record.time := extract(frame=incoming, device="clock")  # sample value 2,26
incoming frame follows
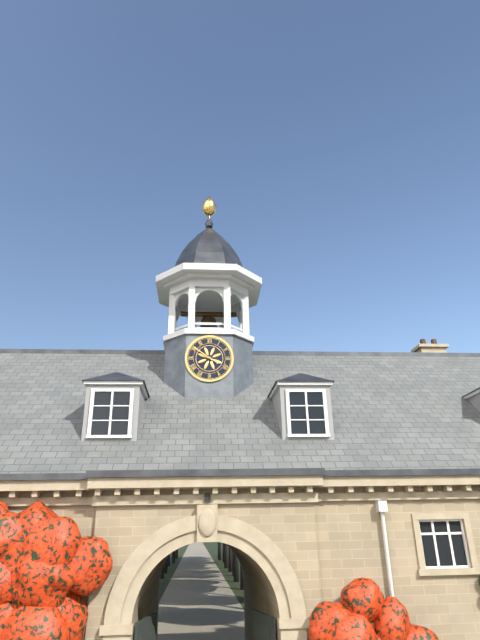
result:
3,51
